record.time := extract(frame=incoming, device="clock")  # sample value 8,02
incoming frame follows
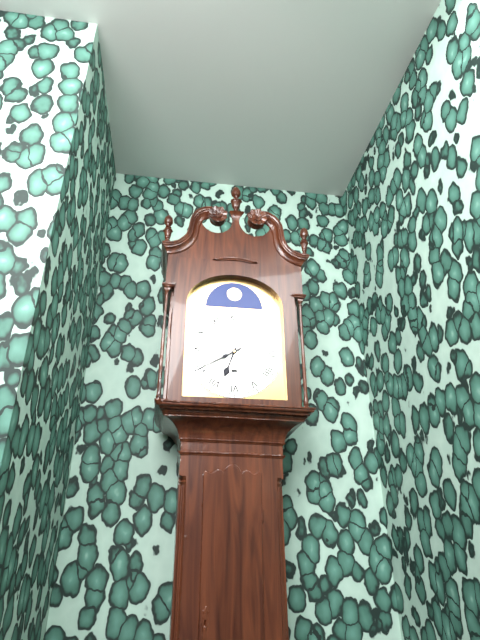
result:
6,40
